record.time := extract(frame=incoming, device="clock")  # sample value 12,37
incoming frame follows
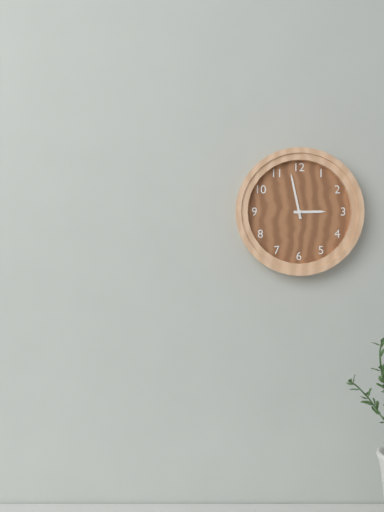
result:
2,58
